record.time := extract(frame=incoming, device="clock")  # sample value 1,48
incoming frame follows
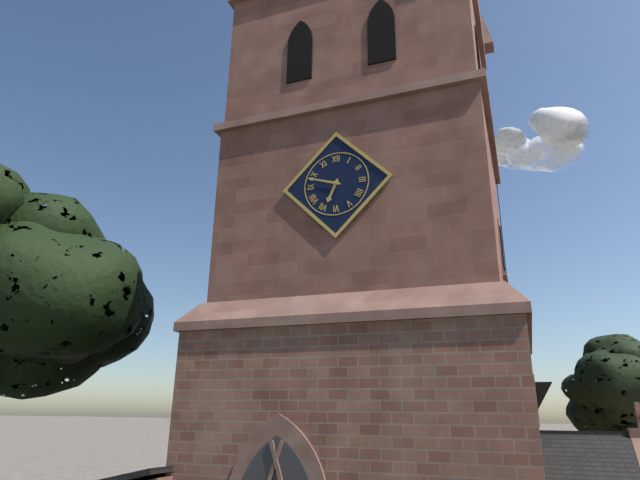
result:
6,48
